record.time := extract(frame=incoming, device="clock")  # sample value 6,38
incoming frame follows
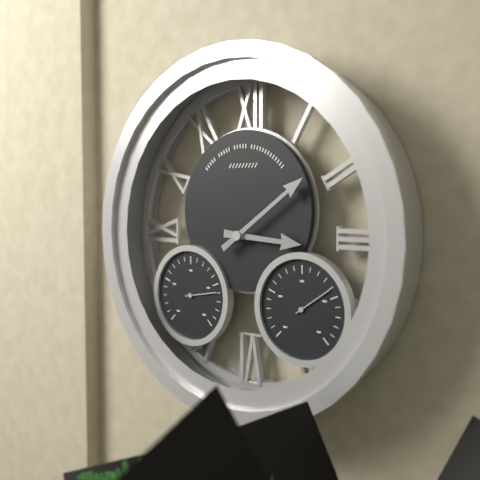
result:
3,09
